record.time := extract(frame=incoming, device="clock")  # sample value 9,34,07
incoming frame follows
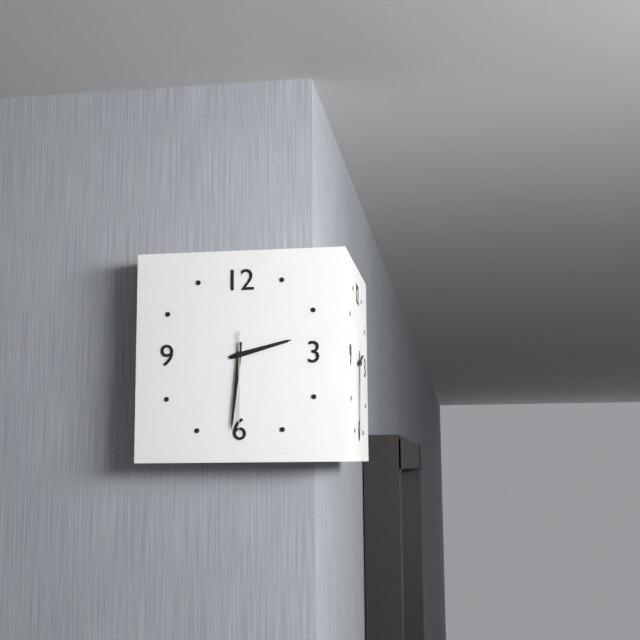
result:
2,31,30
